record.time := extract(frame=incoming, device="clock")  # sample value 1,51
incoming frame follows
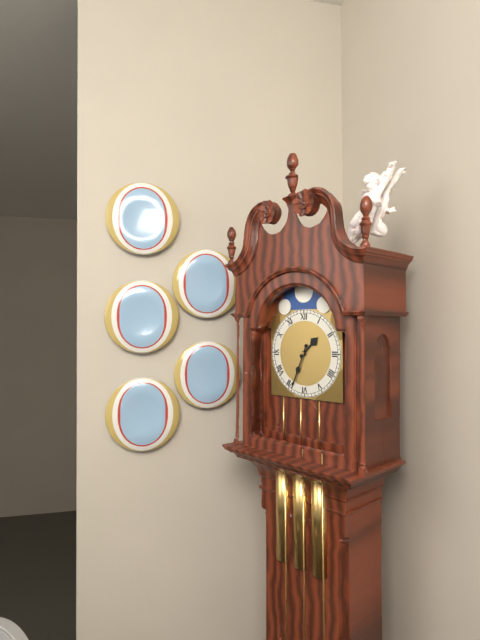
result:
1,34
